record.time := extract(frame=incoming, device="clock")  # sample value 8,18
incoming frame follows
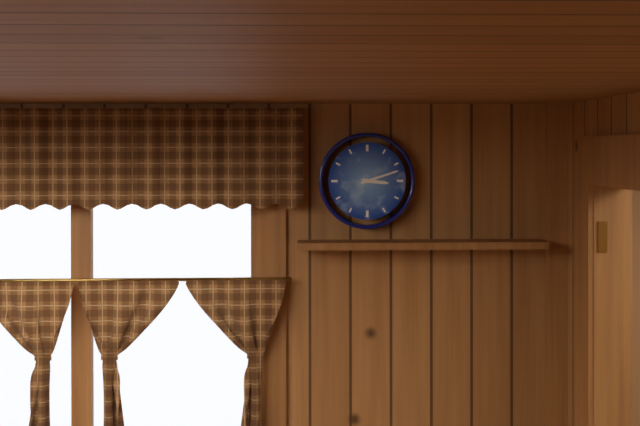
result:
3,12
